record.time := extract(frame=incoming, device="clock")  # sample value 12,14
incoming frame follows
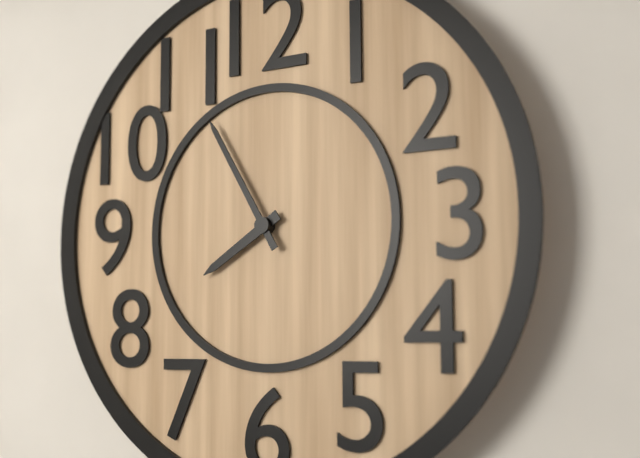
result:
7,55
